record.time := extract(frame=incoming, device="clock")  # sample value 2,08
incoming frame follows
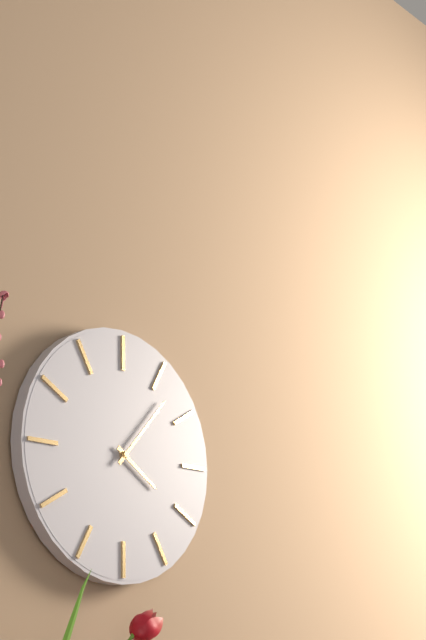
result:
4,07
